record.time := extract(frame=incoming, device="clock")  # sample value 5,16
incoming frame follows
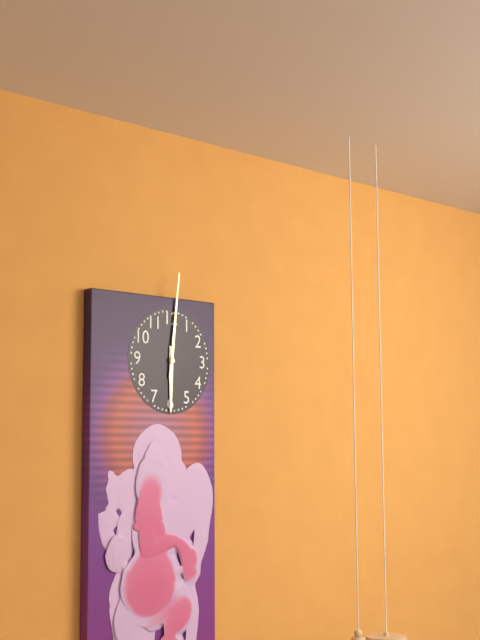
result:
6,01
